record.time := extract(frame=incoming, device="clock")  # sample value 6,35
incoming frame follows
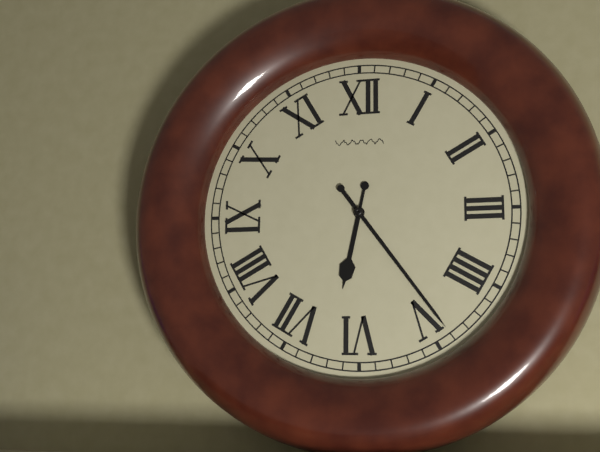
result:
6,24
